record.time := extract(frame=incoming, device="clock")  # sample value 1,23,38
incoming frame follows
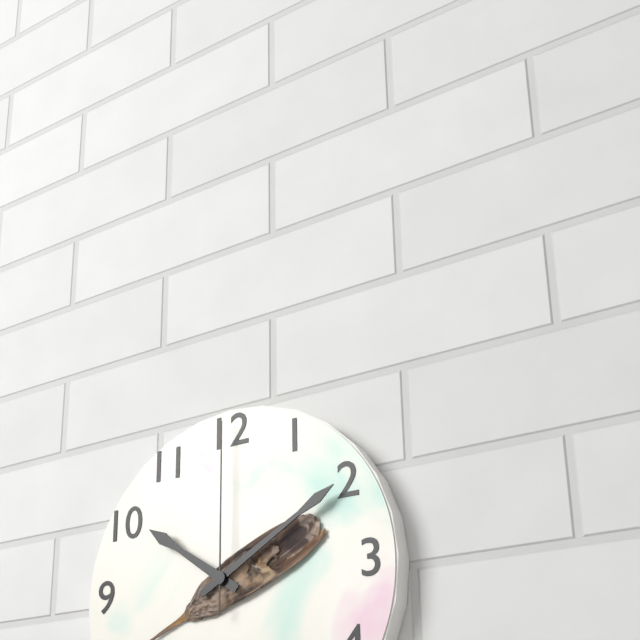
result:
10,10,00
